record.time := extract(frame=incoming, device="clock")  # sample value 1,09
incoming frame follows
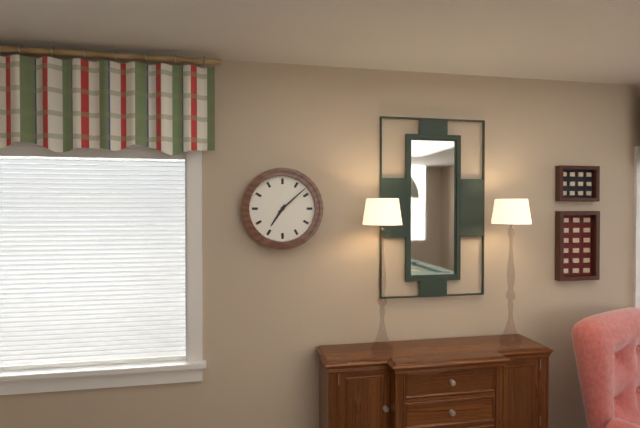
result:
7,08
